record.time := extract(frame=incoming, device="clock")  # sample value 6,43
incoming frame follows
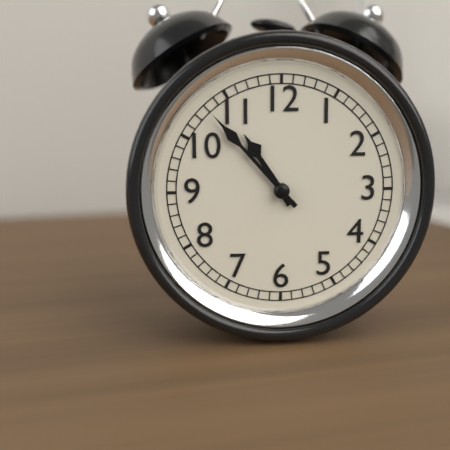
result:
10,53
